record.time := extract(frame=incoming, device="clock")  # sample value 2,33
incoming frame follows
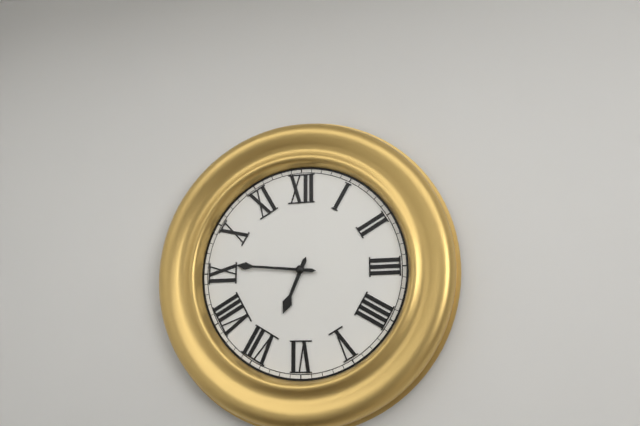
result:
6,46
